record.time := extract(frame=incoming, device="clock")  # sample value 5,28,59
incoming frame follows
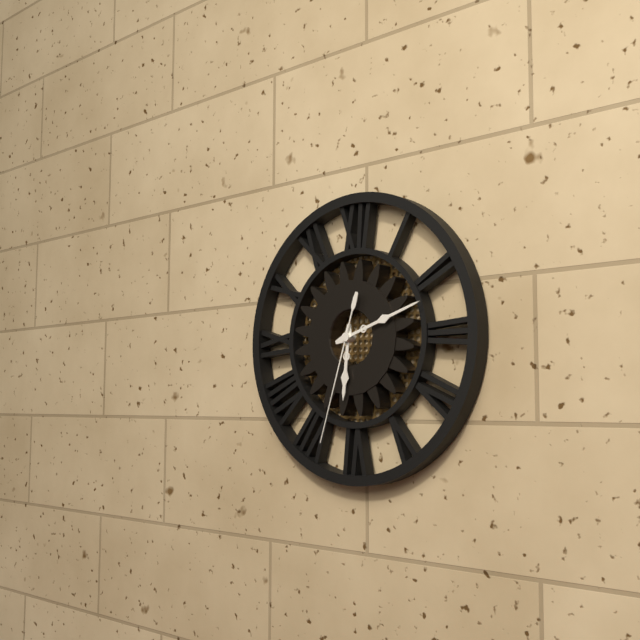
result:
6,12,33
